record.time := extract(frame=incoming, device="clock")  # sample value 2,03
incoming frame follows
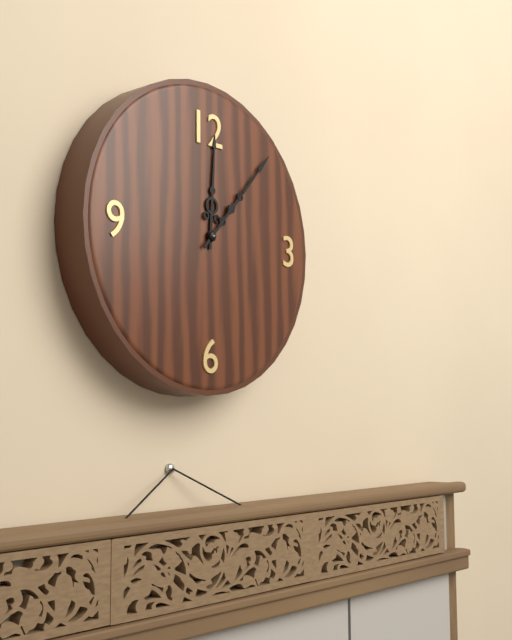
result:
12,07
